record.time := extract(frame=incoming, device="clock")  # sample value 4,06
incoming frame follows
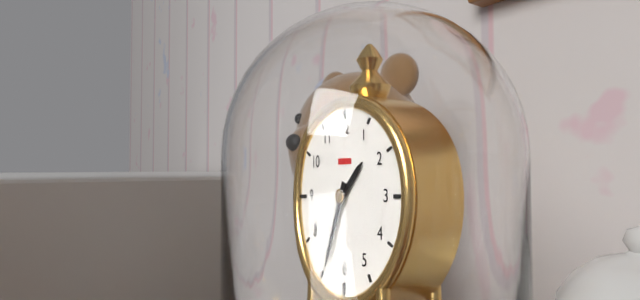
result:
1,34
